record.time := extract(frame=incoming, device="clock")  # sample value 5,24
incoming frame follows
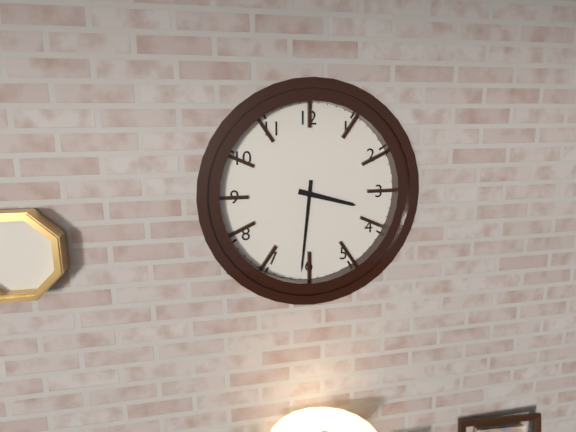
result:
3,31
